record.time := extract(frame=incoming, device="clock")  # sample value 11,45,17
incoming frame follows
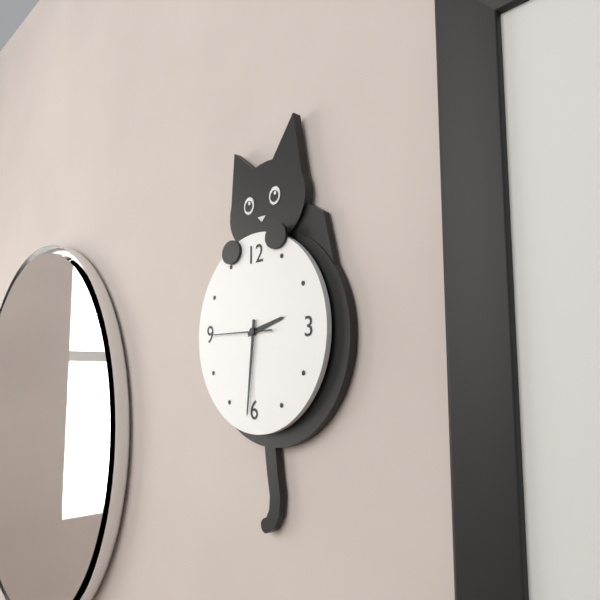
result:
2,31,45
